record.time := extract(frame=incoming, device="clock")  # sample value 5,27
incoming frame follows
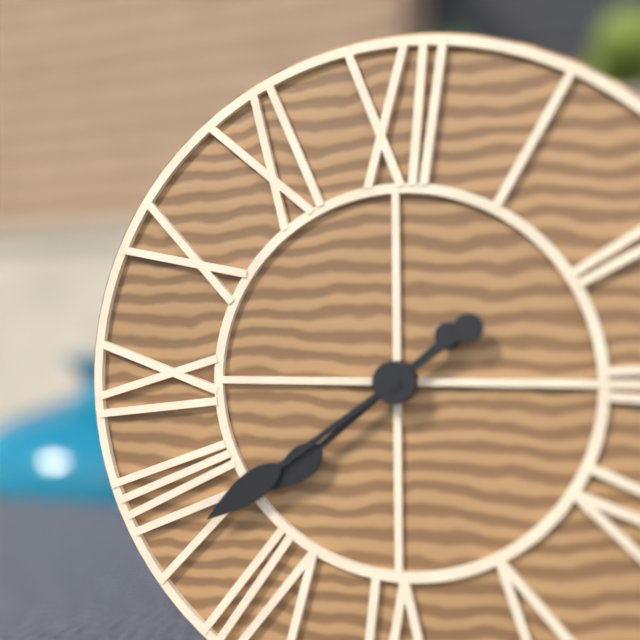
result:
7,39
